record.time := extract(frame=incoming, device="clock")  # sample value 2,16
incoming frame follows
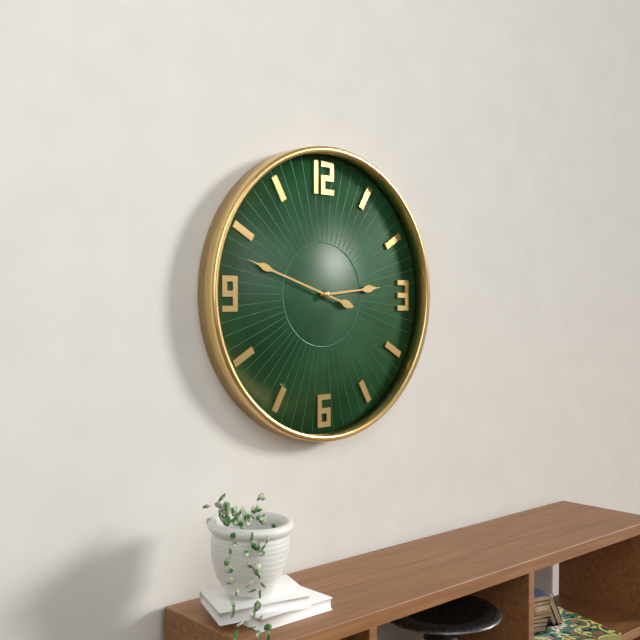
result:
2,48
